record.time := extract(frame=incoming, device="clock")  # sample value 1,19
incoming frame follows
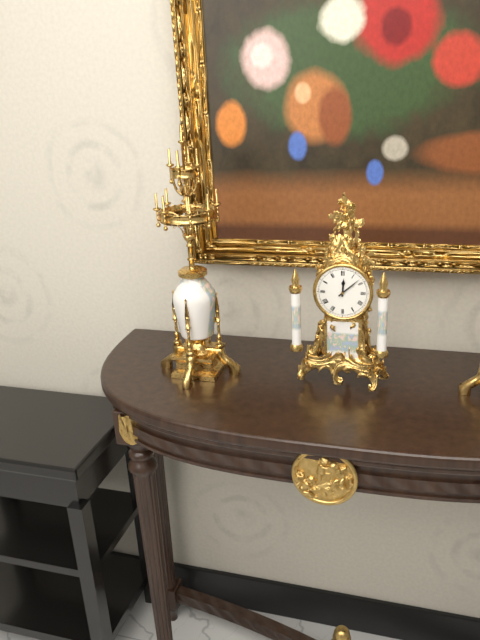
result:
12,08
